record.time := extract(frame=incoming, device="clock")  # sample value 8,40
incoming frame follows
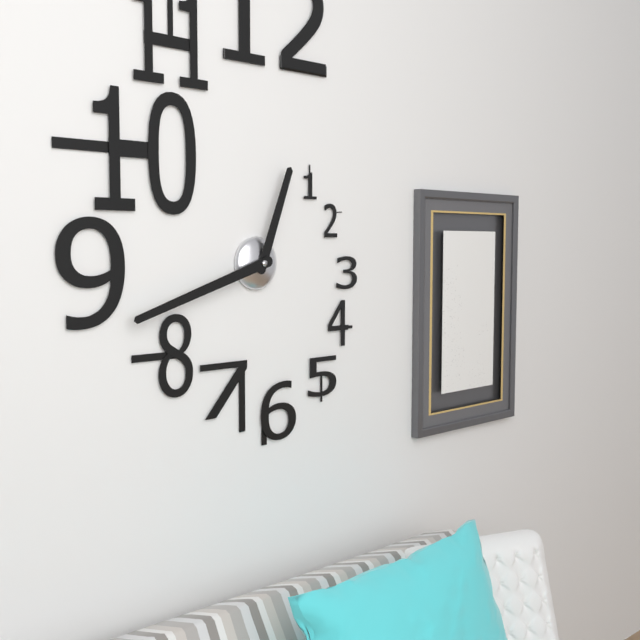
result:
12,42
